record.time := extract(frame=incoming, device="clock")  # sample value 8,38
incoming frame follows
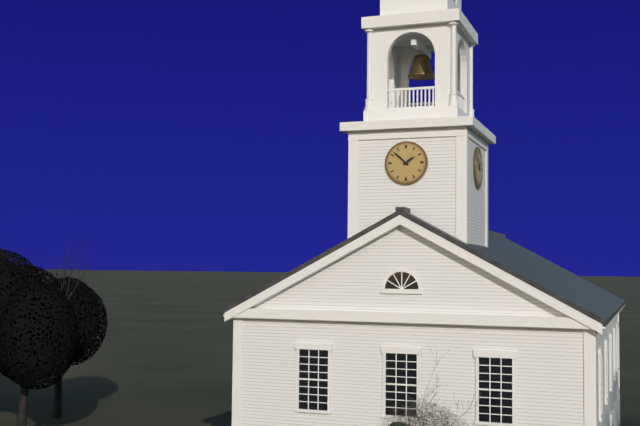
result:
1,52
